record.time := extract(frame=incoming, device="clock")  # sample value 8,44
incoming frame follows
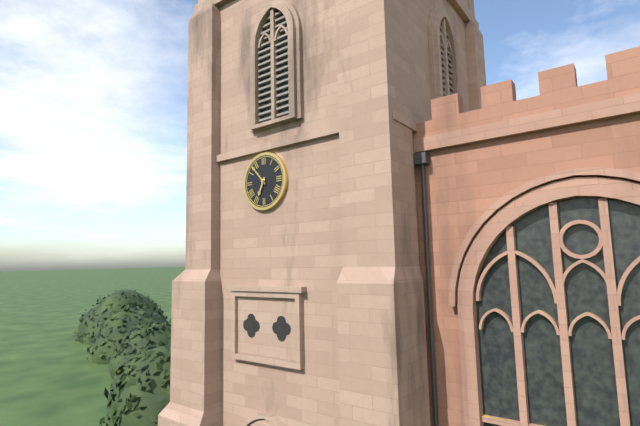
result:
6,53
